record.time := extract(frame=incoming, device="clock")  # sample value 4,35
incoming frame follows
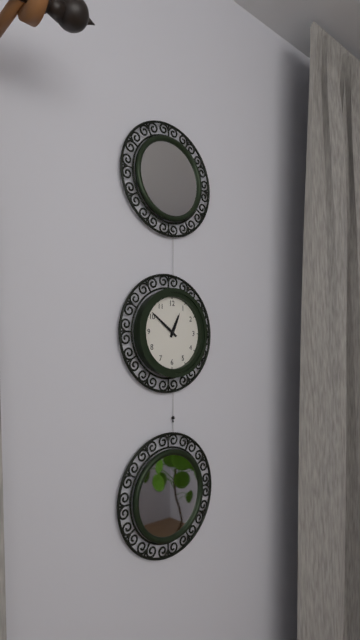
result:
12,51
